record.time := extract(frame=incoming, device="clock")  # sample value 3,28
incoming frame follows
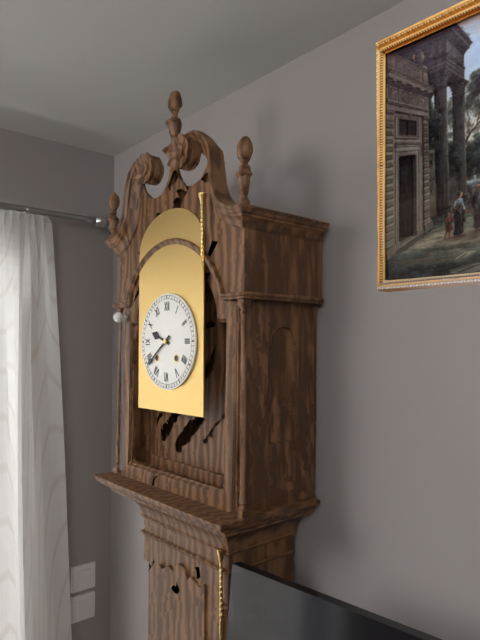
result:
9,39
